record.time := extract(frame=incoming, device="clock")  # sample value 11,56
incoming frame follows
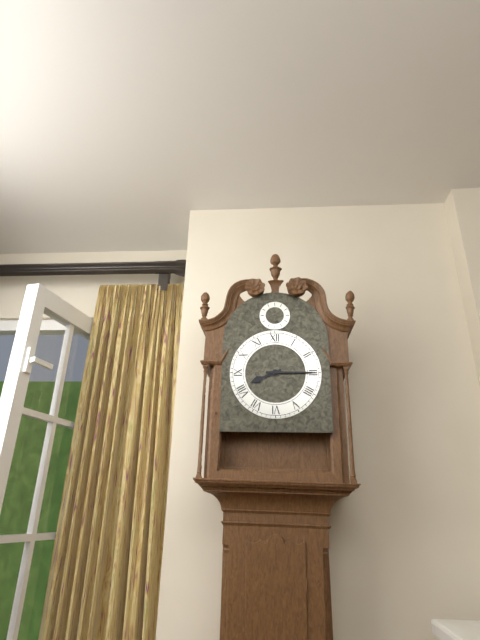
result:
8,15
